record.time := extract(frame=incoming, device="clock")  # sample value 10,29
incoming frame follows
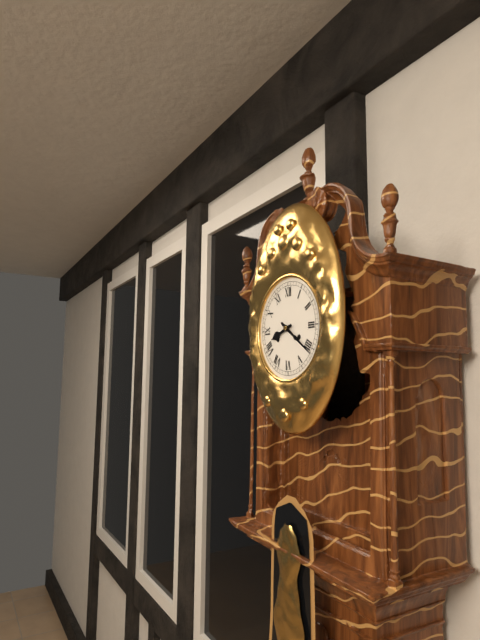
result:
8,21
